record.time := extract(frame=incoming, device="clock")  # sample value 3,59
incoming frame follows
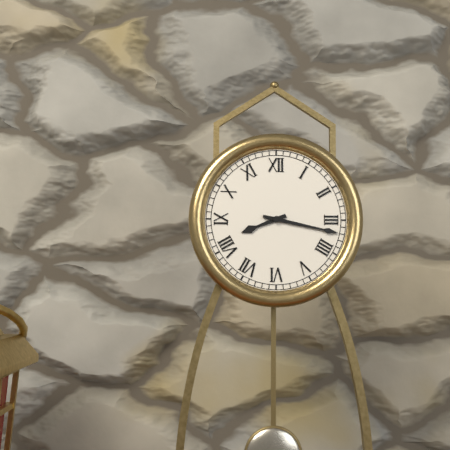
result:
8,17
